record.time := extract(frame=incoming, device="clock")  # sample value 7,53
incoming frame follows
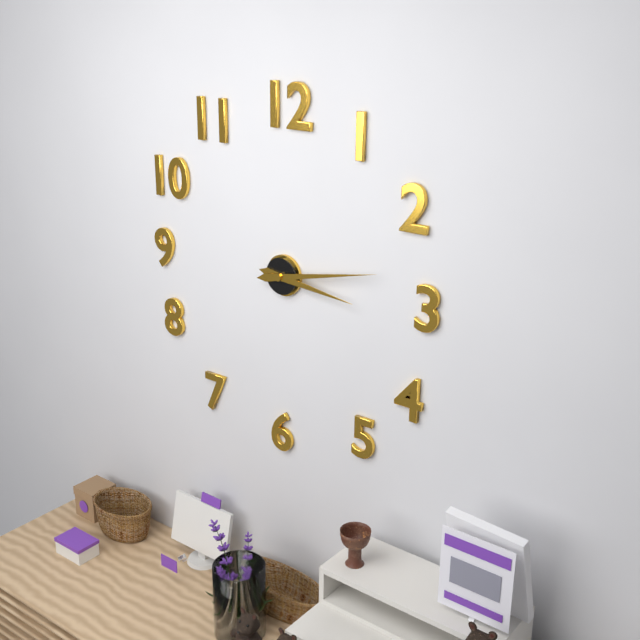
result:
3,13
